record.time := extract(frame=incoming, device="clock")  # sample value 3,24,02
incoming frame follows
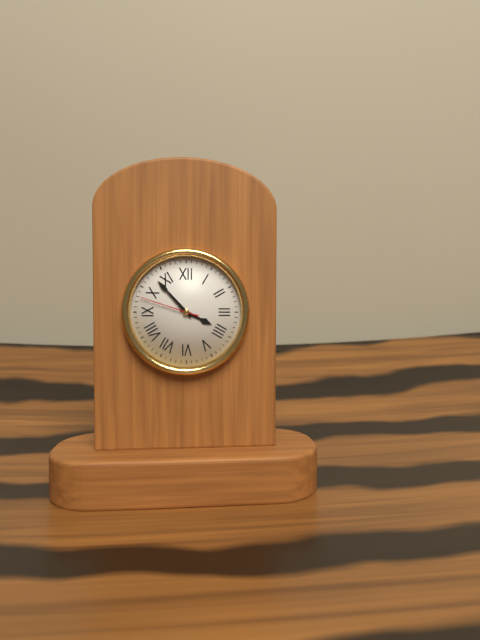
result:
3,53,48
